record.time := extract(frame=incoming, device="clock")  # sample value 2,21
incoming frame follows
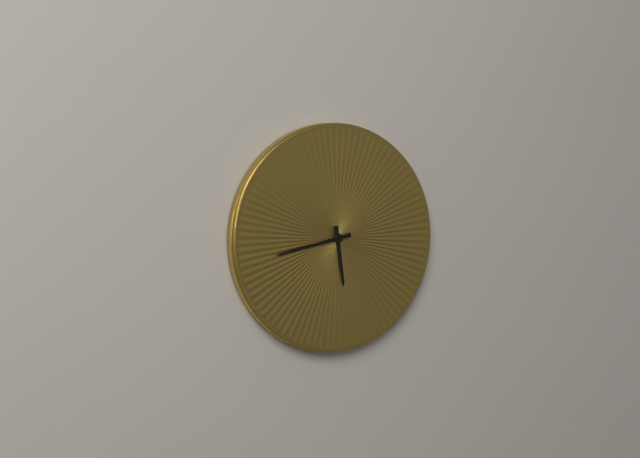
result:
5,43
